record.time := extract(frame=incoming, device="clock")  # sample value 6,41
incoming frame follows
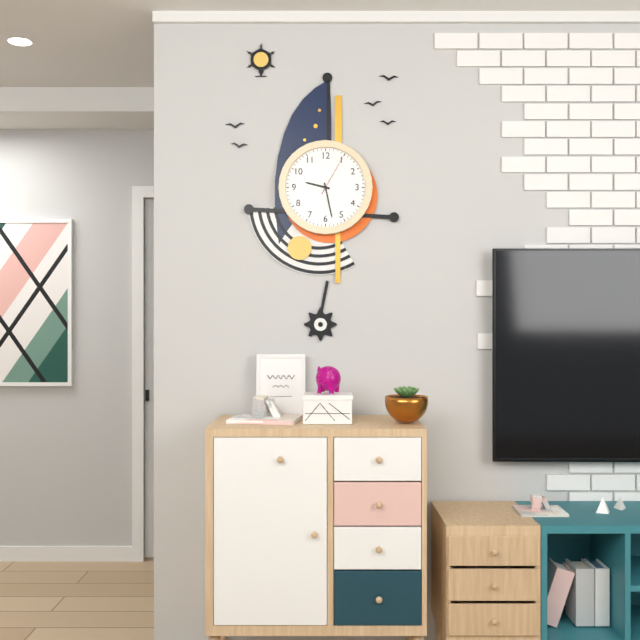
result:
9,28
